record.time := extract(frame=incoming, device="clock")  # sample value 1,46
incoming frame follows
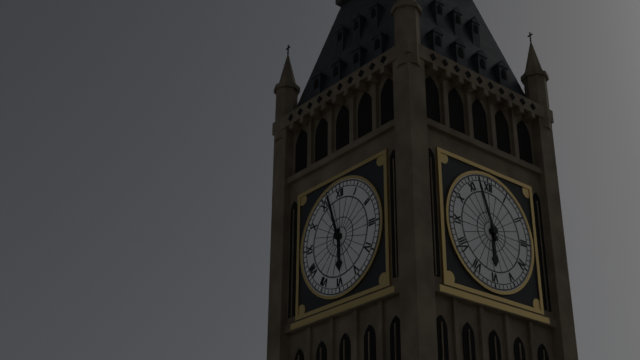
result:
5,57
